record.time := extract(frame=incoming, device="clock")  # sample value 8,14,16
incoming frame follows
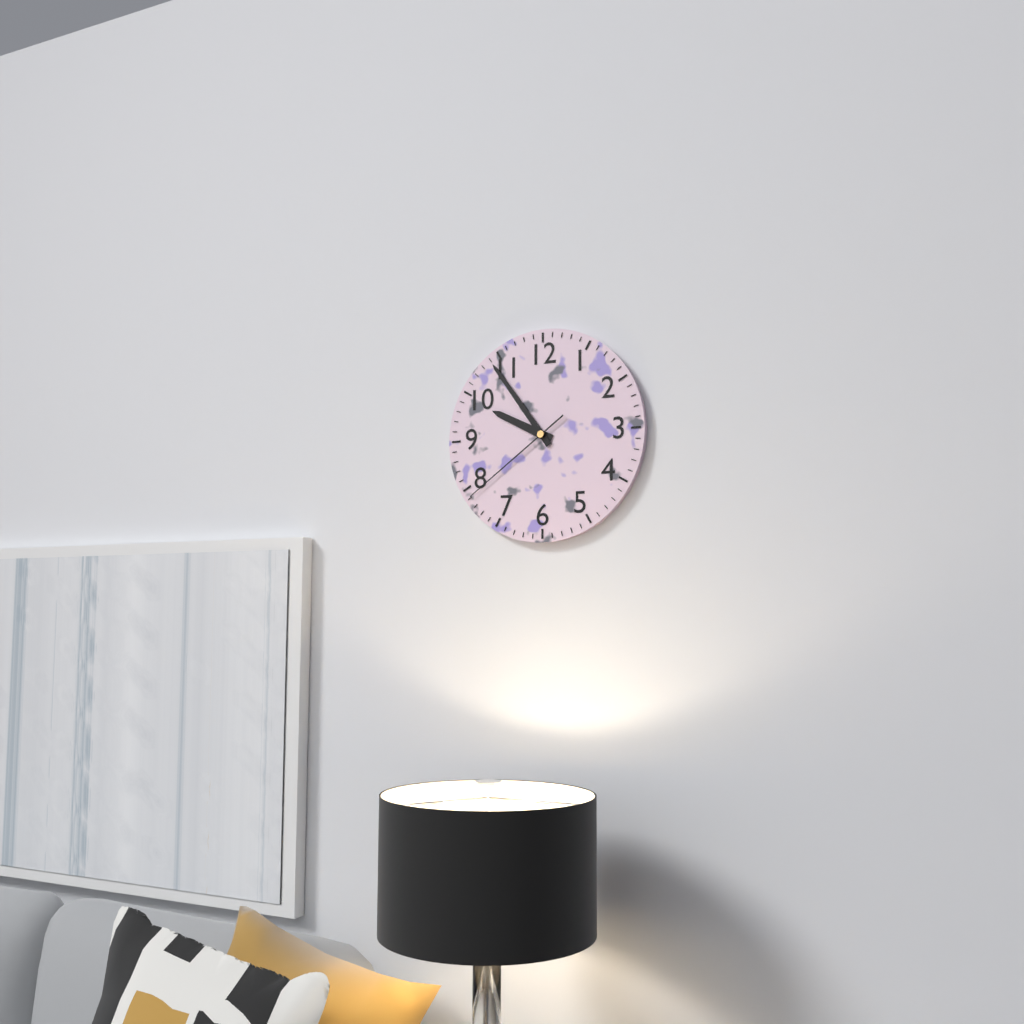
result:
9,54,39
